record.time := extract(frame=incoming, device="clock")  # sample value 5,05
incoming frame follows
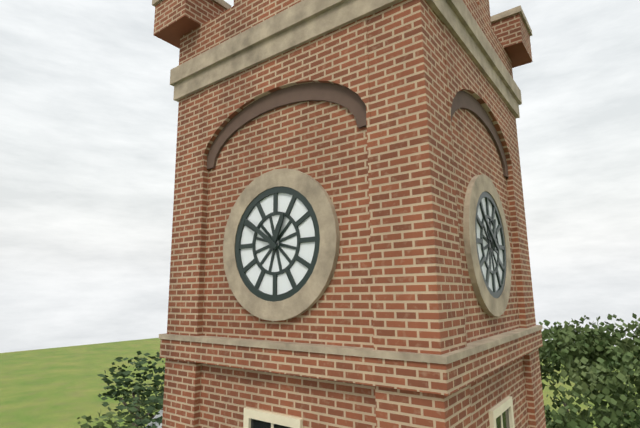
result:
12,51
